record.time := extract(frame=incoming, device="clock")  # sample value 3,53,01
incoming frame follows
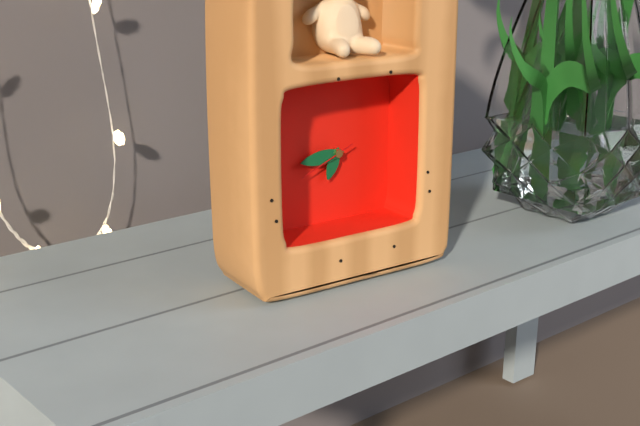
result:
6,44,41
